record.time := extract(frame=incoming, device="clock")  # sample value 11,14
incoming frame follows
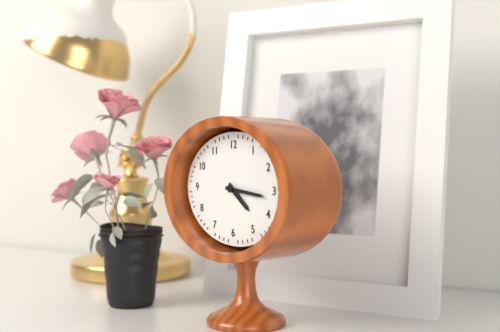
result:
4,16
